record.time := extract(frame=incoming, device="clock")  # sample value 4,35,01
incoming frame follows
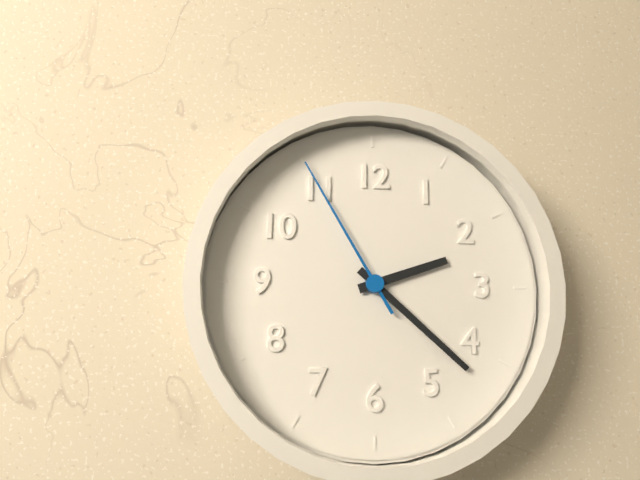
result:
2,22,55
